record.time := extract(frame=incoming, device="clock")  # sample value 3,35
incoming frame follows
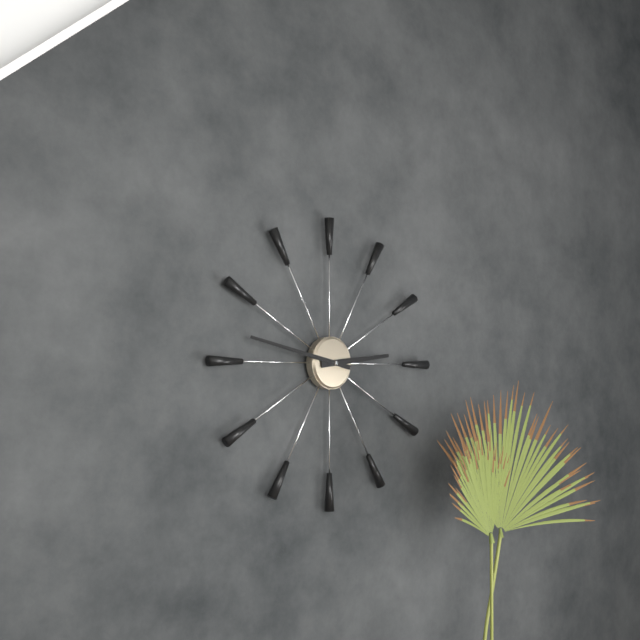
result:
2,47
